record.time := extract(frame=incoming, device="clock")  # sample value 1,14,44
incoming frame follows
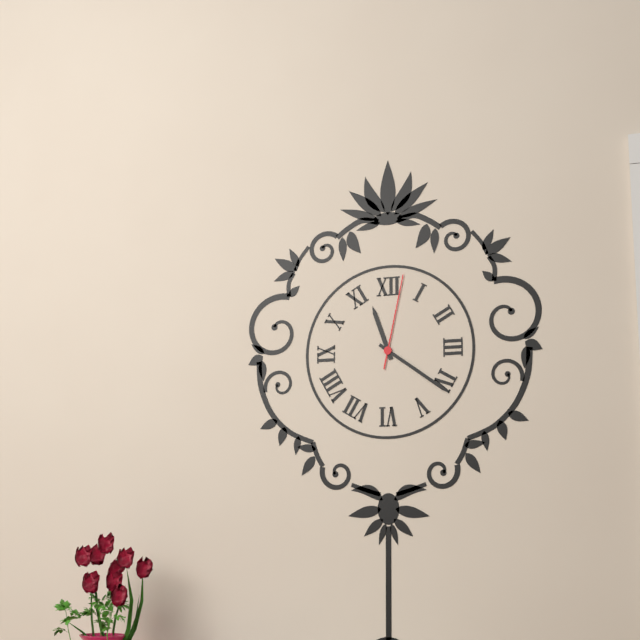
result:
11,21,02
